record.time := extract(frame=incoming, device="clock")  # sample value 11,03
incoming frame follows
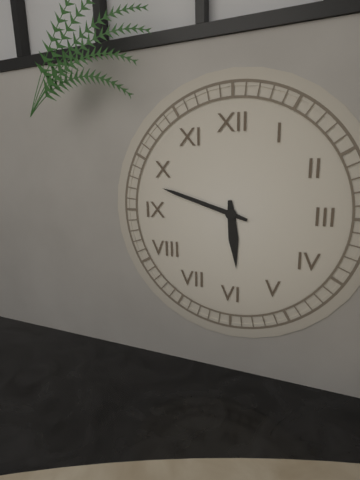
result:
5,48
